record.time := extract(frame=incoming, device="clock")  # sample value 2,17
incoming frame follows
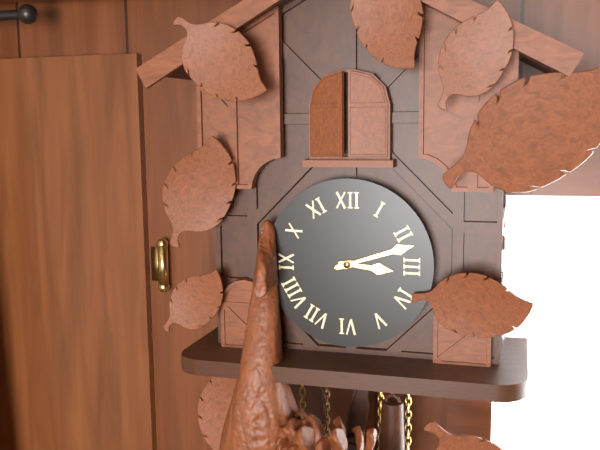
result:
3,12
